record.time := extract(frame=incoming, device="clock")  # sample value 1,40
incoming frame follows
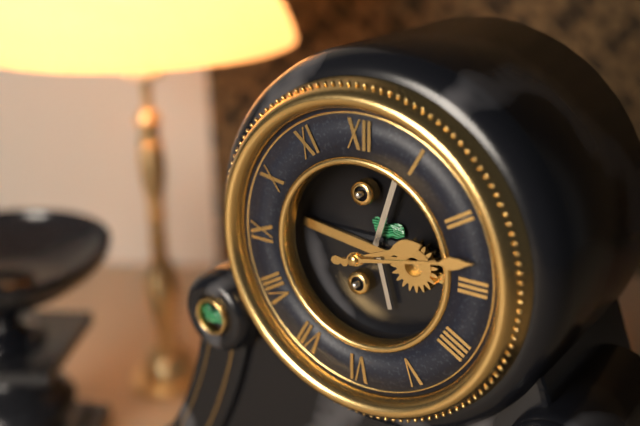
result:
2,13
